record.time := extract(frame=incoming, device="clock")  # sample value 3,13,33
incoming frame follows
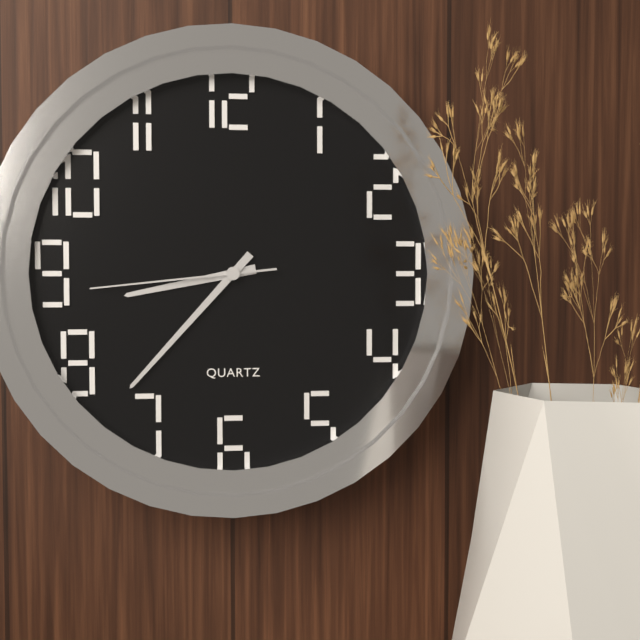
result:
8,37,44
